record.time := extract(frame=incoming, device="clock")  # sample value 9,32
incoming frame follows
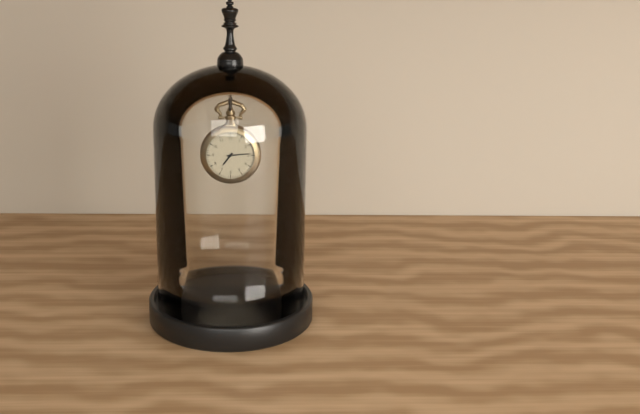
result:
7,14
